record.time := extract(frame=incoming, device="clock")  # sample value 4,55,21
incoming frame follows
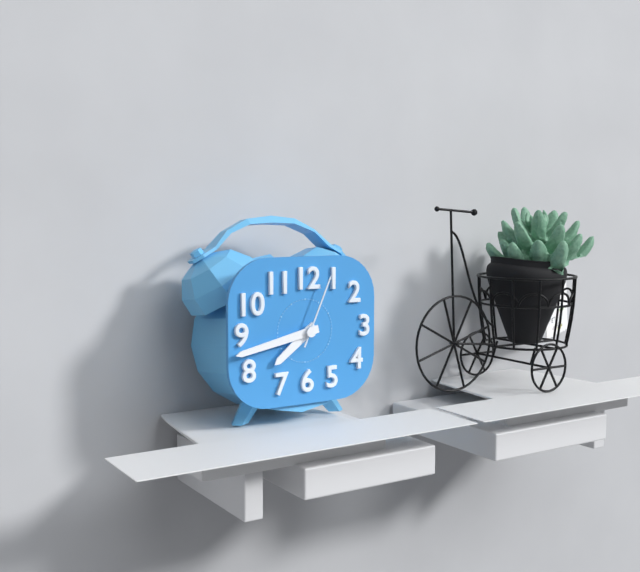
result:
7,43,04
